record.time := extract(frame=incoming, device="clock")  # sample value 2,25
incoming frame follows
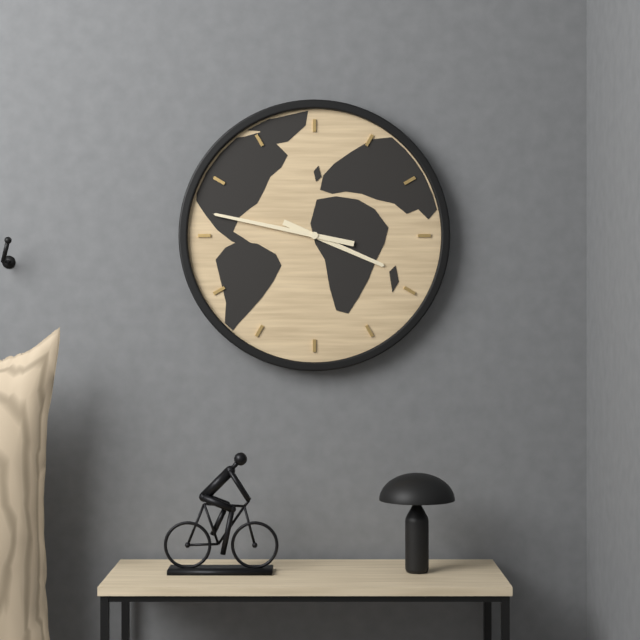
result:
3,47
